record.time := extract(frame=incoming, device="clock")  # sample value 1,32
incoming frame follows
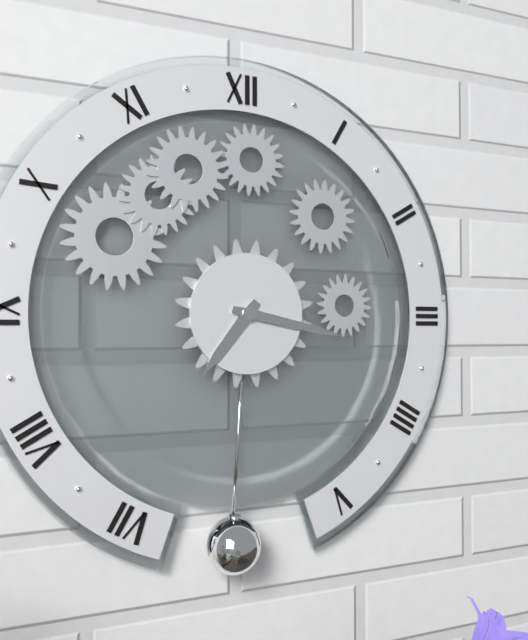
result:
7,17
